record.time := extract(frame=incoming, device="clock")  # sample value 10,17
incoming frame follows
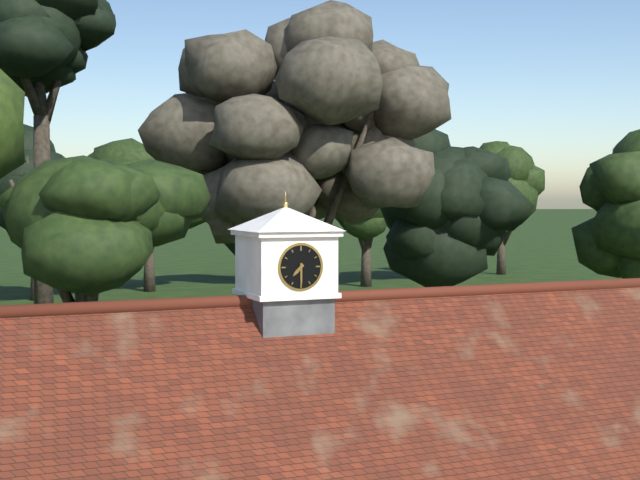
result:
7,30
